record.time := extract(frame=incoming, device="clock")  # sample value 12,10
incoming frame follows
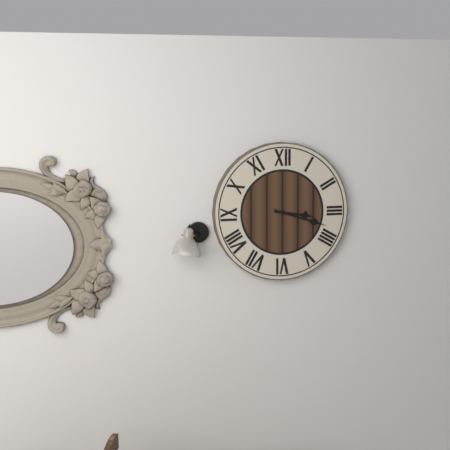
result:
3,18
